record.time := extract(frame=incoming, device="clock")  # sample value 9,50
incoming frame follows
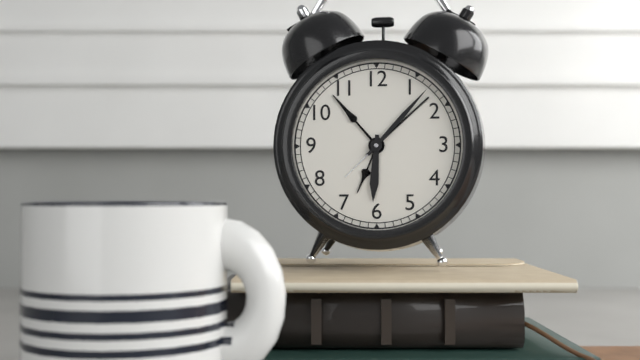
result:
6,07
